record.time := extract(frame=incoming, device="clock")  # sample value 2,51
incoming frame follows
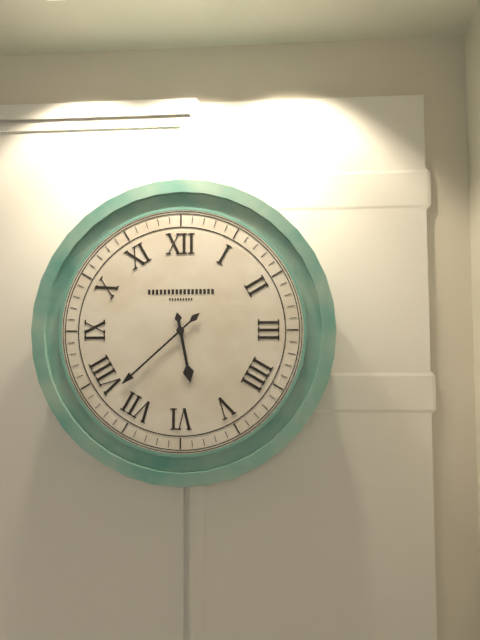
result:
5,38
